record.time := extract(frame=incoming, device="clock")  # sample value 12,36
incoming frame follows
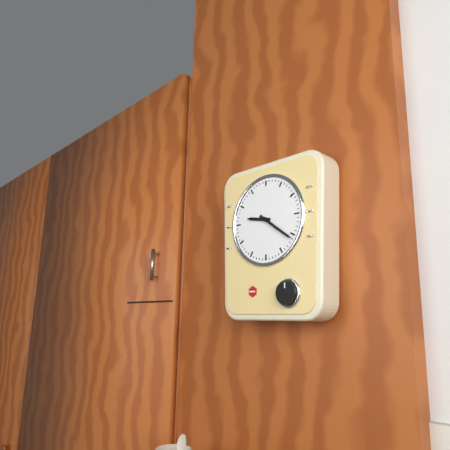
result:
9,21
